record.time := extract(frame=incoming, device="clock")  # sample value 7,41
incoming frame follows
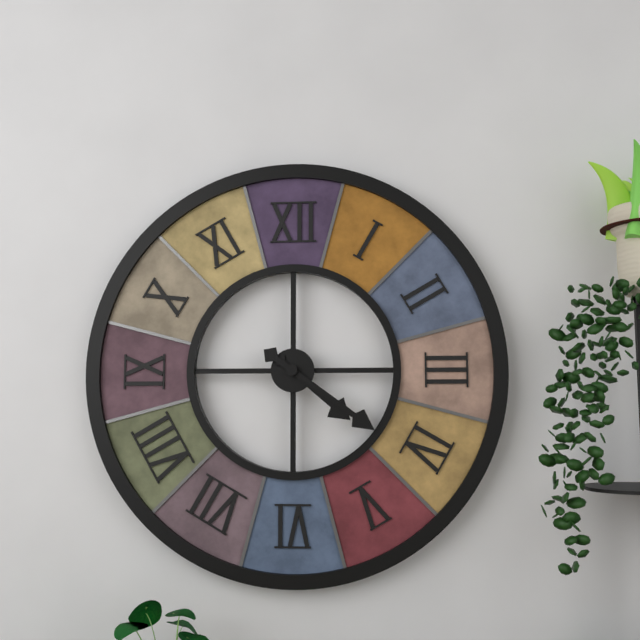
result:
4,21
